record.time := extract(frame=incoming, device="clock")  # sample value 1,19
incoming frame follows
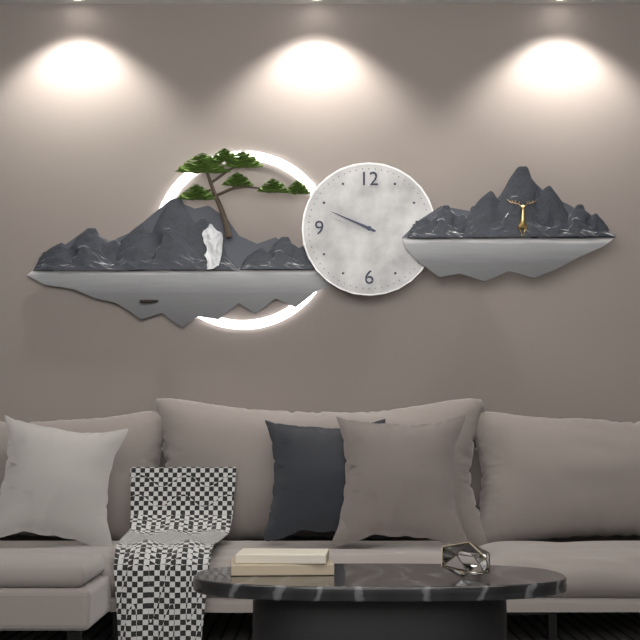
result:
9,49
